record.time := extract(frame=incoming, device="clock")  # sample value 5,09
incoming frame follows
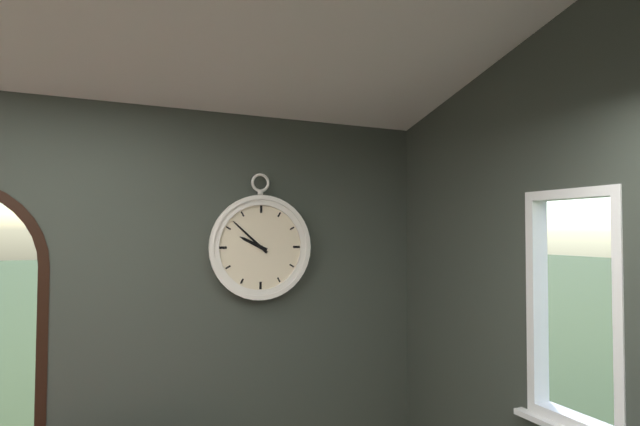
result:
9,52
